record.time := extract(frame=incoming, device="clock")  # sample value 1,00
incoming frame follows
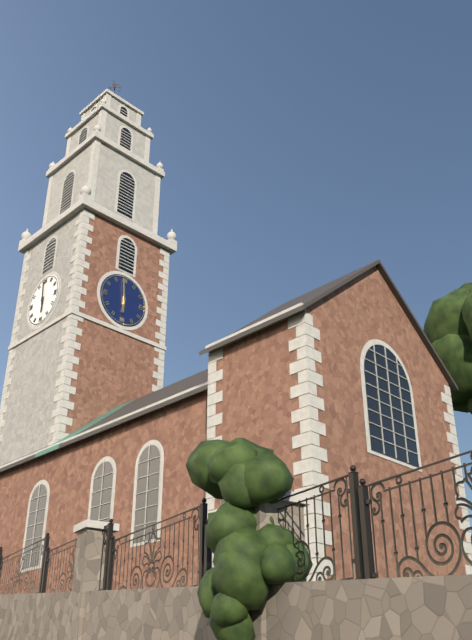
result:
5,59
